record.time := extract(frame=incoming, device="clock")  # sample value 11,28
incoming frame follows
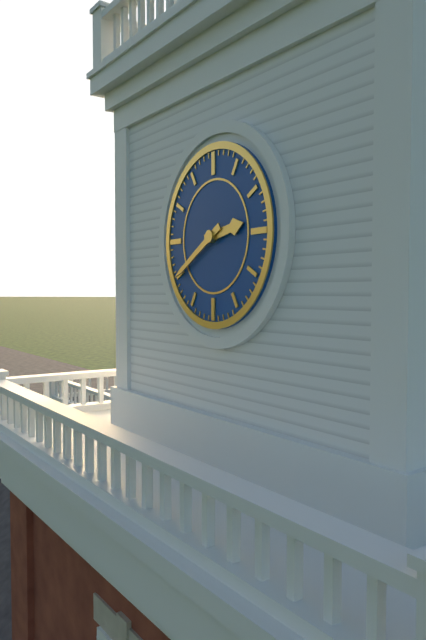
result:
2,40
